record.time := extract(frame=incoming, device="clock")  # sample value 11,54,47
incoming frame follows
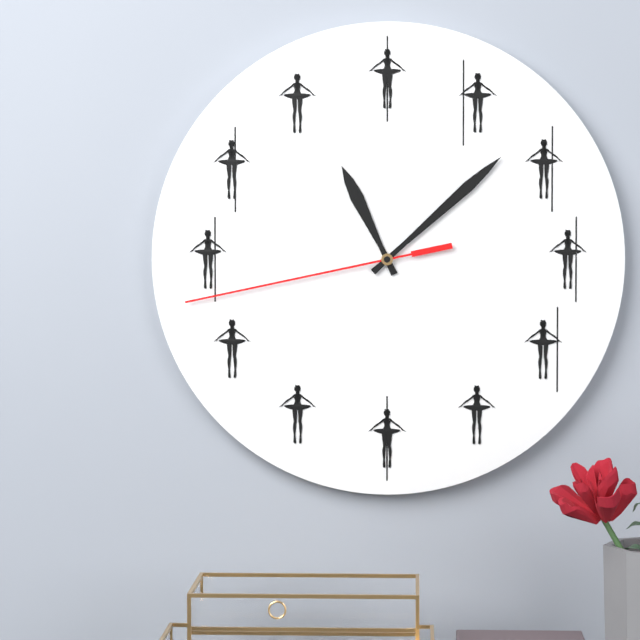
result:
11,08,43
